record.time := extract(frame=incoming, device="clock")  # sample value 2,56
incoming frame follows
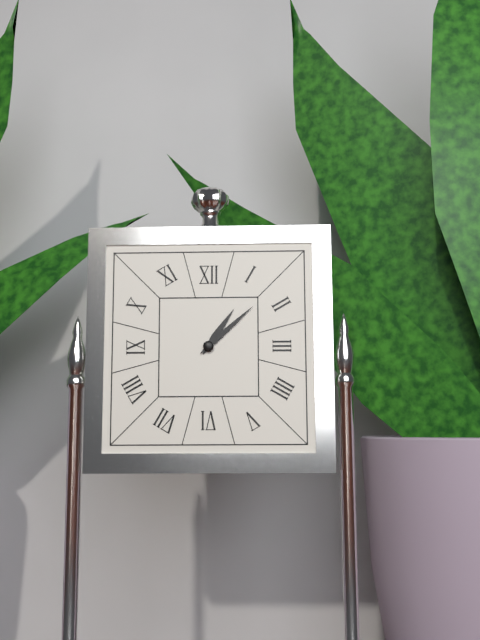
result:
1,08
